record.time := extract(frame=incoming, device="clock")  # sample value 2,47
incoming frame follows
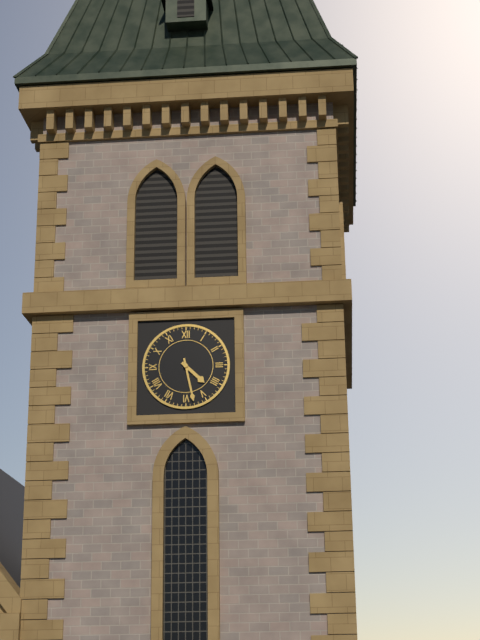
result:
4,28
